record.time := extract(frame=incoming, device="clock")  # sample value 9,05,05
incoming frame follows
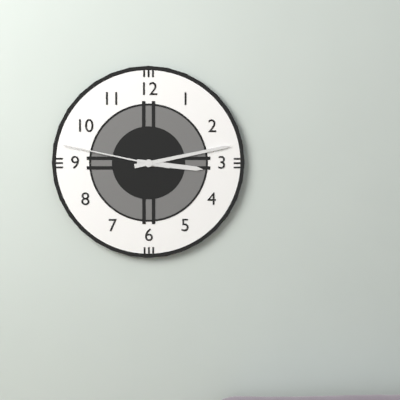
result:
3,13,47
